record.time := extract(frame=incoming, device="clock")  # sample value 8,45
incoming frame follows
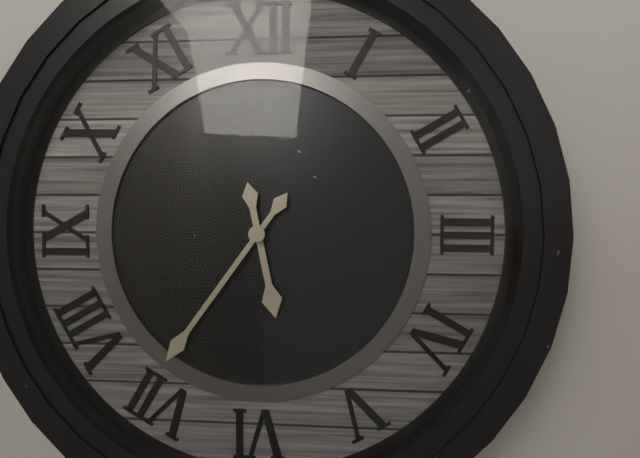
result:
5,36
